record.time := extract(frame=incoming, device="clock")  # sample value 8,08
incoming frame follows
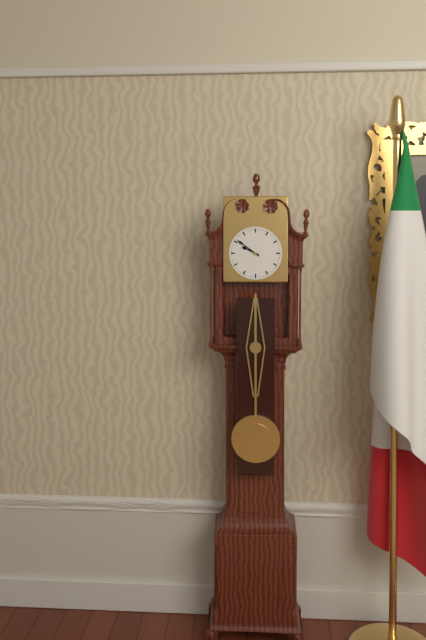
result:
9,51
